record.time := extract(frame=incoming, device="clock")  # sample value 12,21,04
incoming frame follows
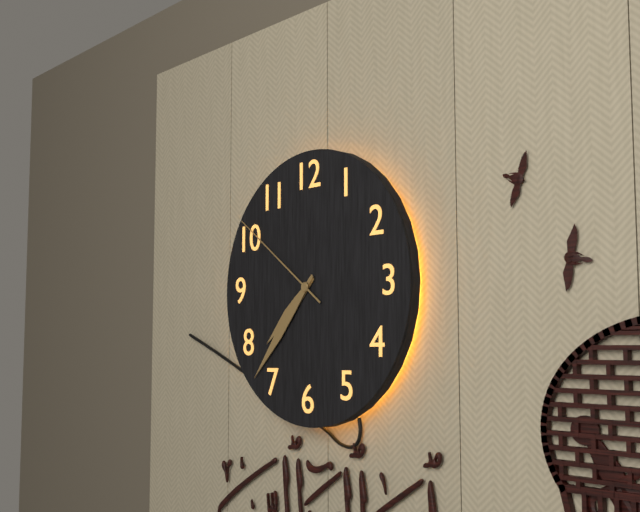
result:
7,37,51
